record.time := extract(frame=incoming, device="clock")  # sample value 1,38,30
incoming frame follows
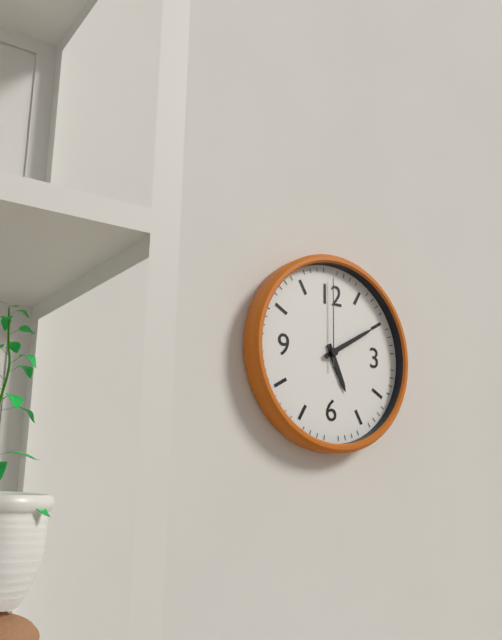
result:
5,10,00
